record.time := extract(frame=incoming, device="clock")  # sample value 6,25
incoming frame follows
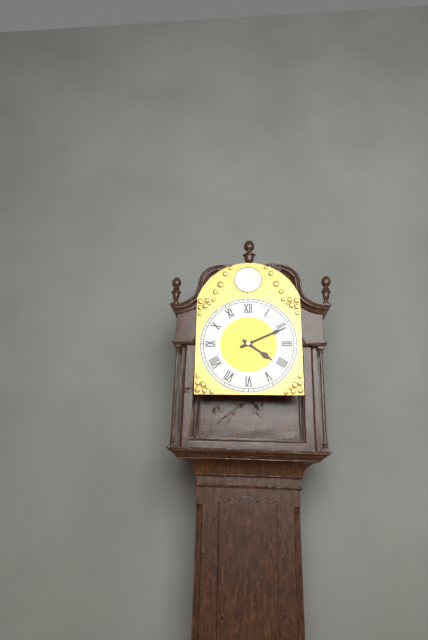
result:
4,11
